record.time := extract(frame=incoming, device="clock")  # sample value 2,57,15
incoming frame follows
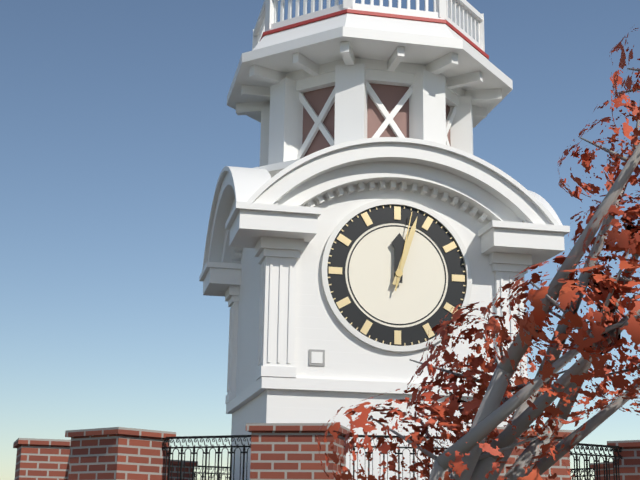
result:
12,03,02
